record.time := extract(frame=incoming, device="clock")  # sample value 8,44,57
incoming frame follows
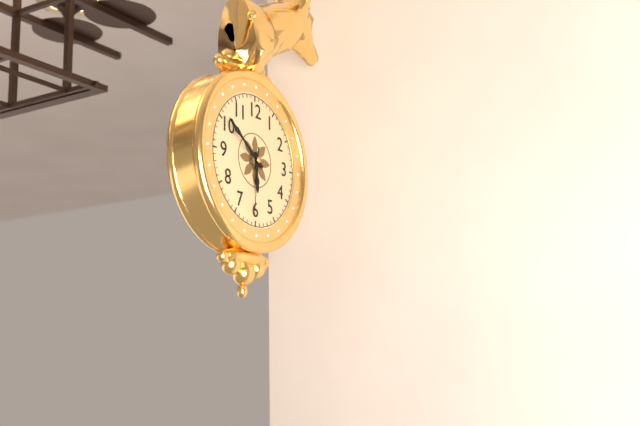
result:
5,51,31
